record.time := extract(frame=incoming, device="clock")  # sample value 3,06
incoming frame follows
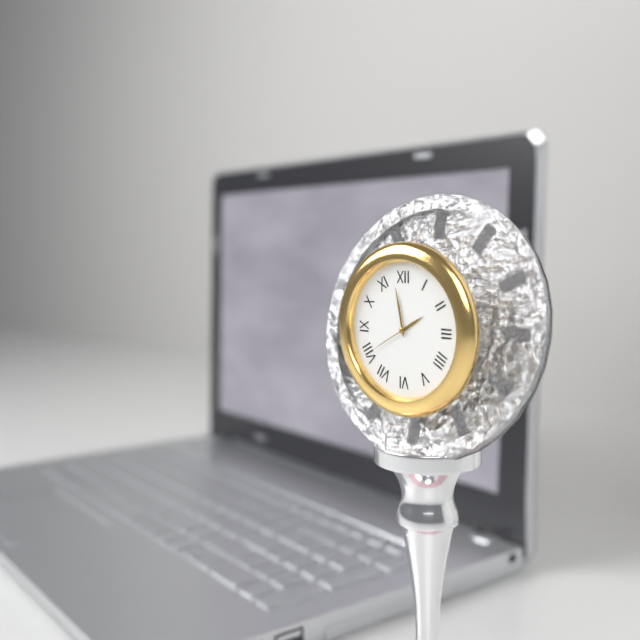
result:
1,58
